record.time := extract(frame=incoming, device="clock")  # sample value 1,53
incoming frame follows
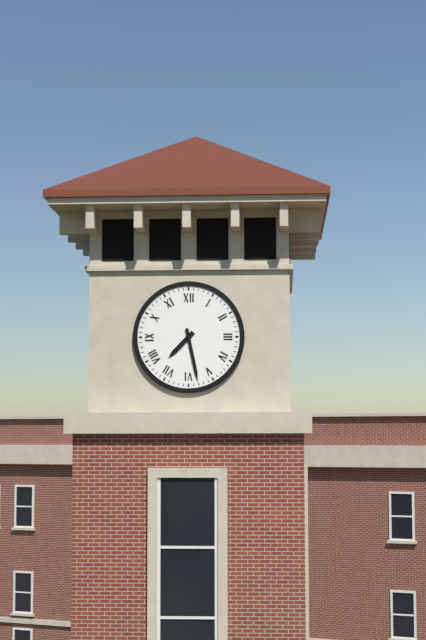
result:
7,28
